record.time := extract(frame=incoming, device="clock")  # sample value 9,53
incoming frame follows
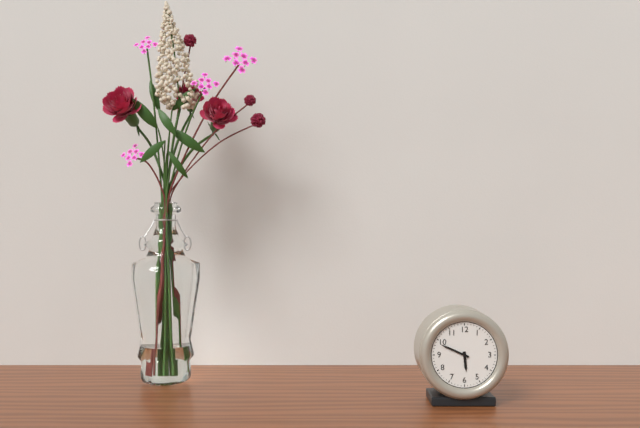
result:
5,49
